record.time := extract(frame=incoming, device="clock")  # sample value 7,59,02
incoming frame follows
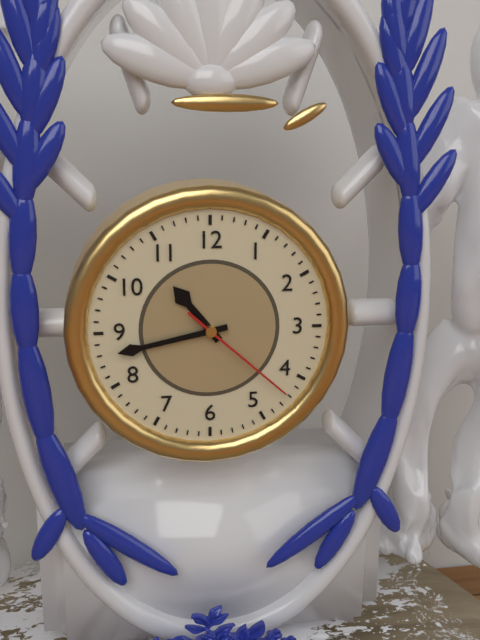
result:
10,43,22
